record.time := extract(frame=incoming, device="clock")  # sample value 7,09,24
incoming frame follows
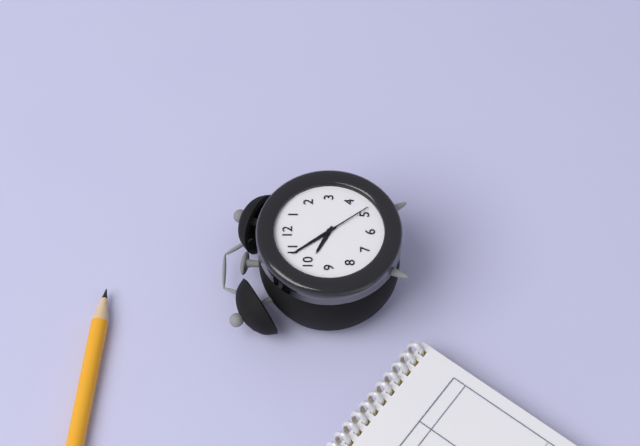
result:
9,54,24
